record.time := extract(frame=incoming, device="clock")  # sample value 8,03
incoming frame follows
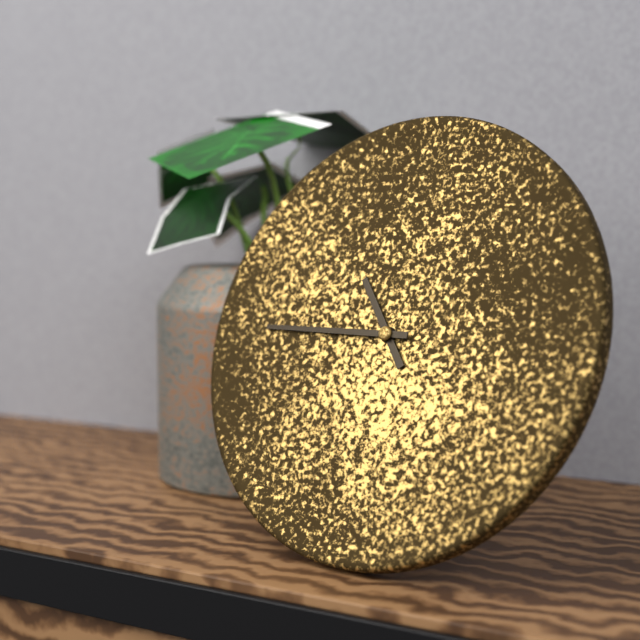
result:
10,45
